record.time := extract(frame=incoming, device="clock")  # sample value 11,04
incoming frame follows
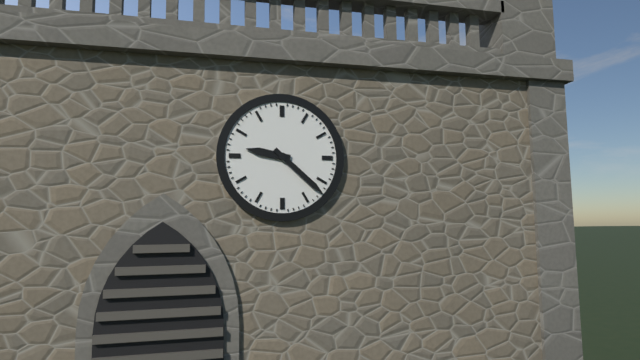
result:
9,22
